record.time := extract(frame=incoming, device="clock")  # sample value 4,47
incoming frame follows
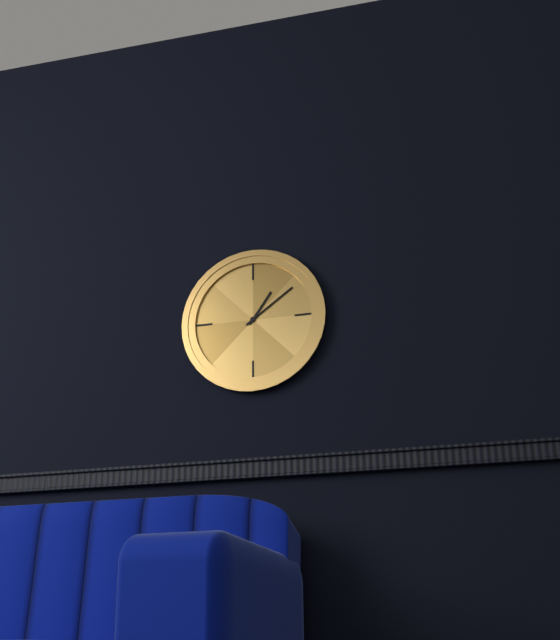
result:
1,09
